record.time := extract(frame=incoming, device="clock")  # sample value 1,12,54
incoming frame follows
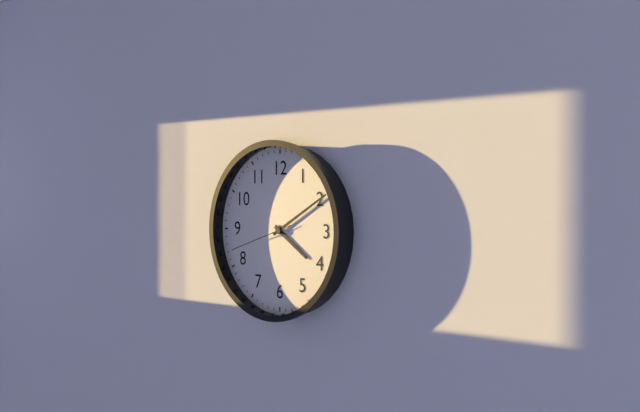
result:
4,10,42
